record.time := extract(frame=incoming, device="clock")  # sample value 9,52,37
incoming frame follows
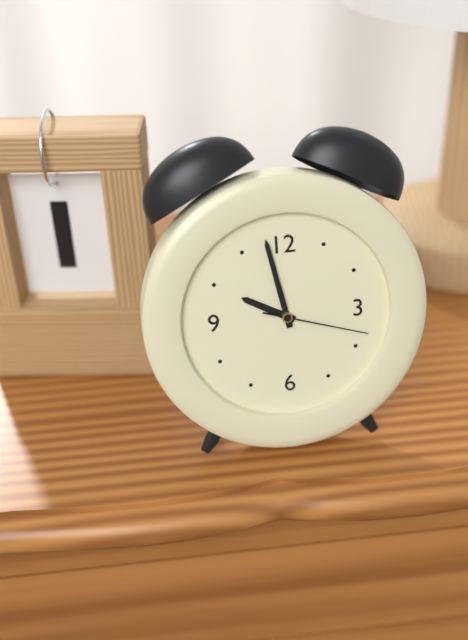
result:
9,58,18
